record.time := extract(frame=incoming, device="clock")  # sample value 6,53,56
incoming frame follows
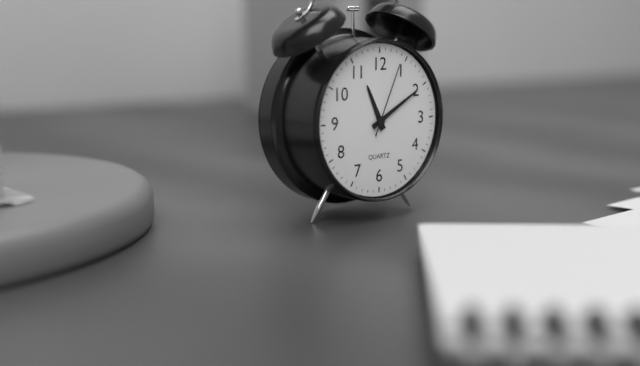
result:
11,10,04
